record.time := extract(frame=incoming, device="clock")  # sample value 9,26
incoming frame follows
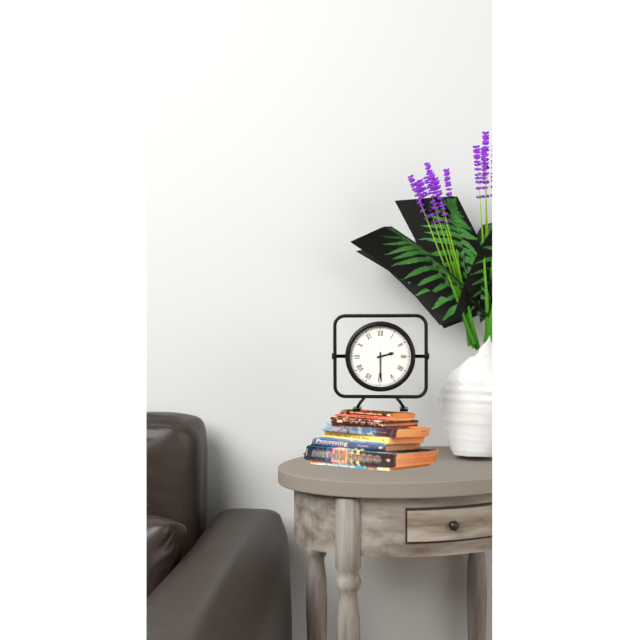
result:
2,30
